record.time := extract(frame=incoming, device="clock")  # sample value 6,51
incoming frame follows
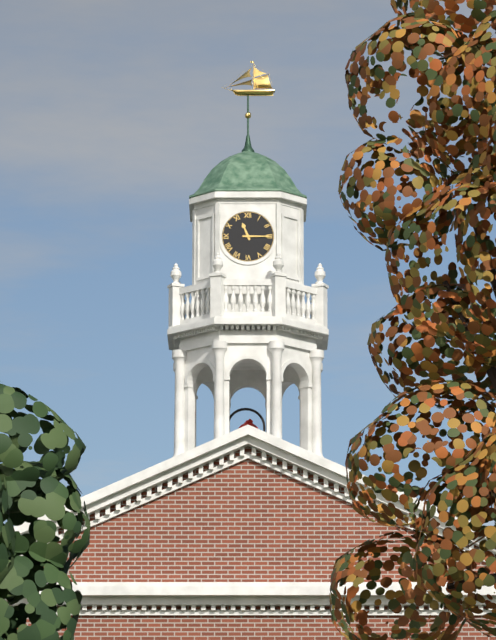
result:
11,15
